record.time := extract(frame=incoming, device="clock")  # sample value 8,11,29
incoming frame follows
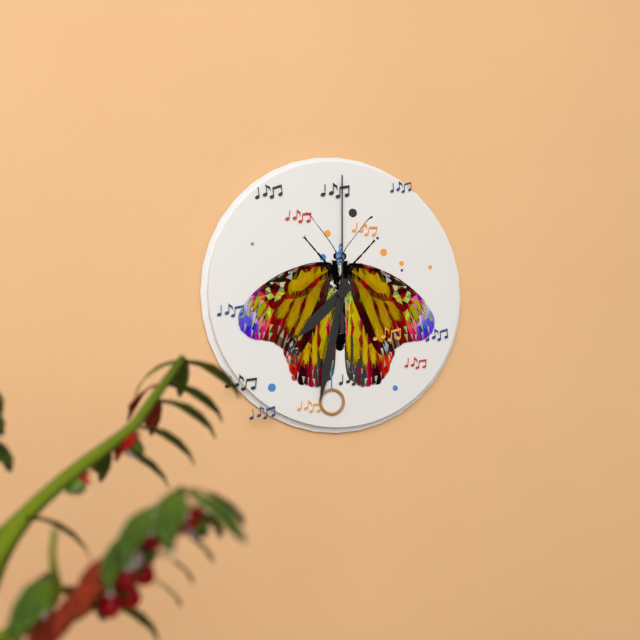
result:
7,32,00
